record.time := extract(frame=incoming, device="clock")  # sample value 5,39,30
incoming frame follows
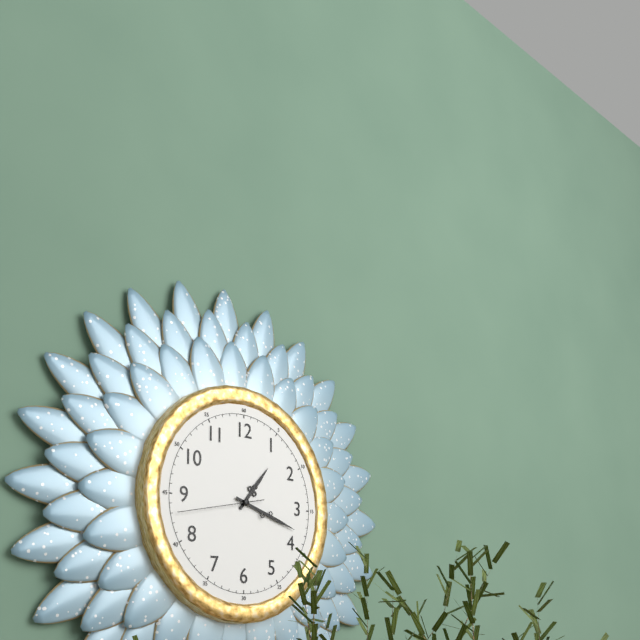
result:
1,18,43
